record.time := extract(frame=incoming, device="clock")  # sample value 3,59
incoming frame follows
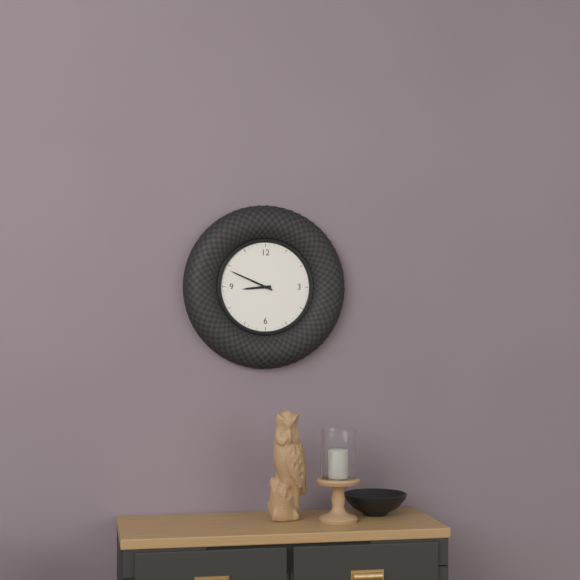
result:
8,49
